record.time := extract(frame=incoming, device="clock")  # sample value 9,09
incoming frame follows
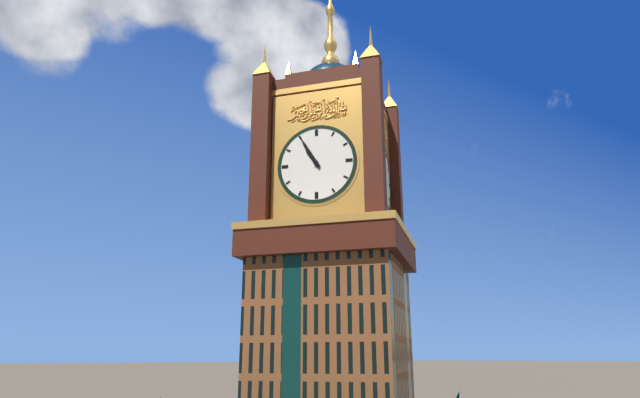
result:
10,55
